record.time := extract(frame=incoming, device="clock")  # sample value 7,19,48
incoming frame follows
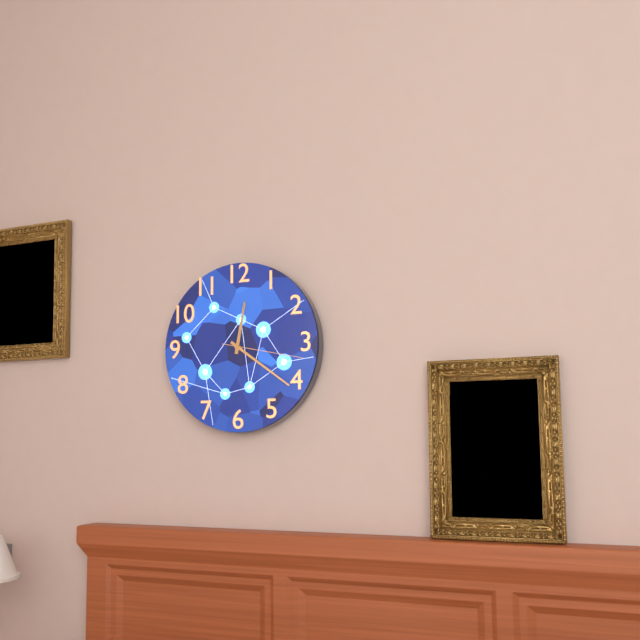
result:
12,21,17
